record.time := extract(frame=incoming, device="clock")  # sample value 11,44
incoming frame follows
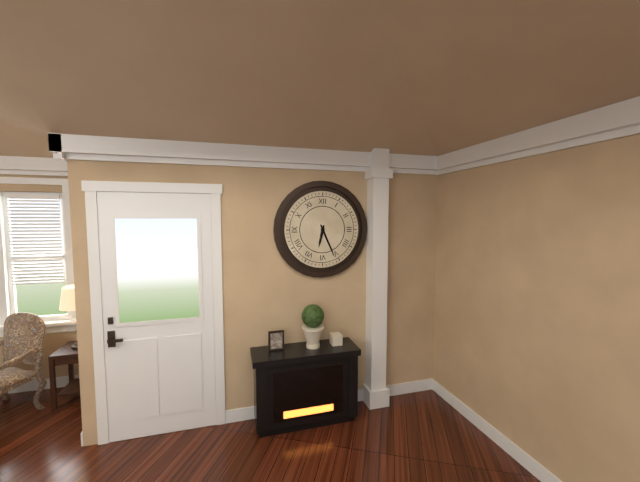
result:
6,26
